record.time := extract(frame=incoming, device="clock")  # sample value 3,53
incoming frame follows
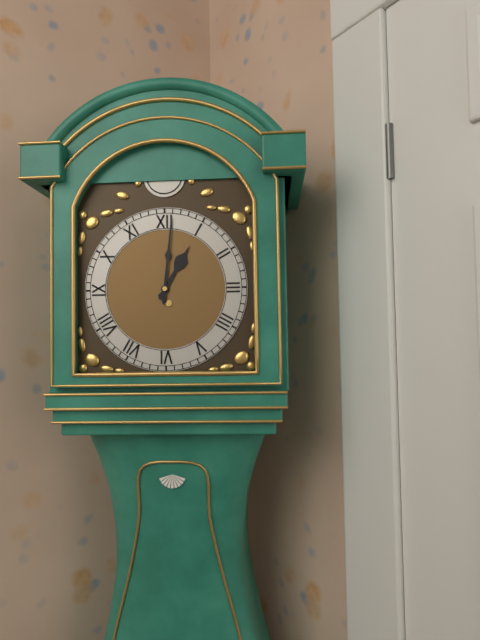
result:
1,01
